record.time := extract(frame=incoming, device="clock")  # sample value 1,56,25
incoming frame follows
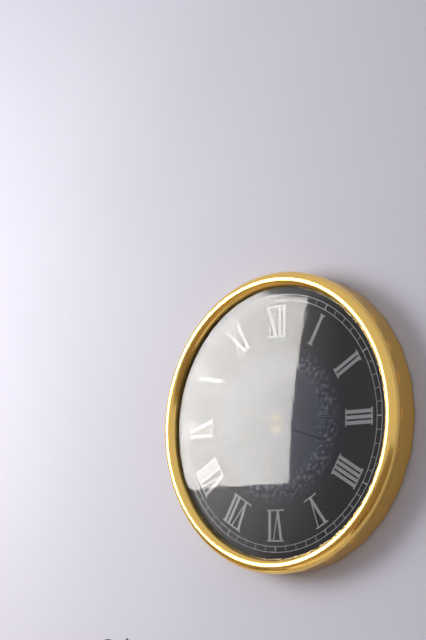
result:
9,42,18
